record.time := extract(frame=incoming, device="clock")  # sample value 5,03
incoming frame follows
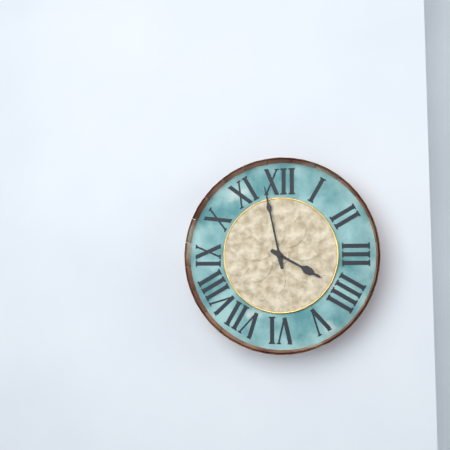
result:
3,58
